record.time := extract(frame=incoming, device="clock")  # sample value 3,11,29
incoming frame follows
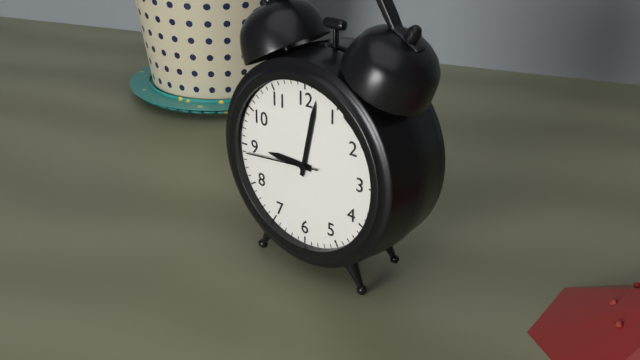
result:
9,02,44
